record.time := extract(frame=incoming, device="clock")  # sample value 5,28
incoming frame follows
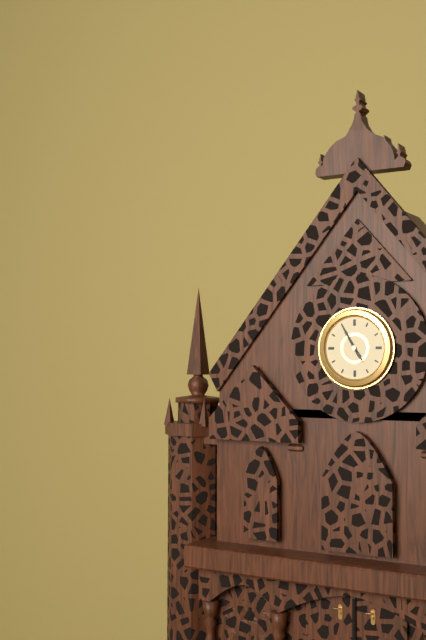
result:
4,55
